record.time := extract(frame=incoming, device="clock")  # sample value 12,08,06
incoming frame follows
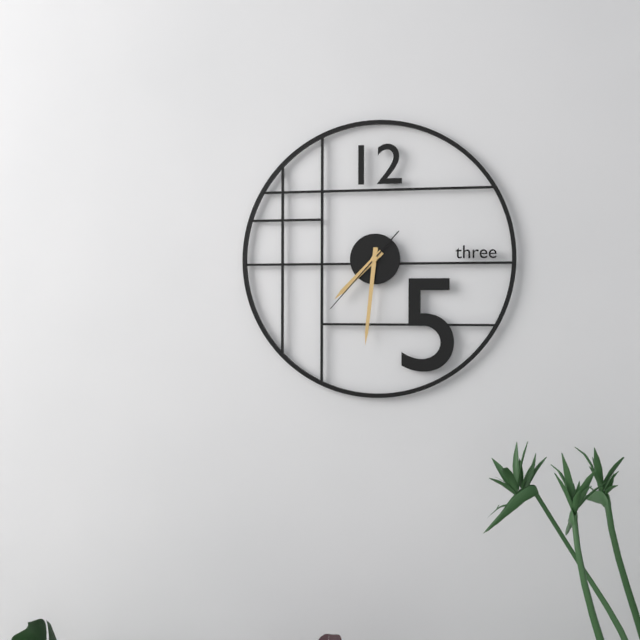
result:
7,31,37
